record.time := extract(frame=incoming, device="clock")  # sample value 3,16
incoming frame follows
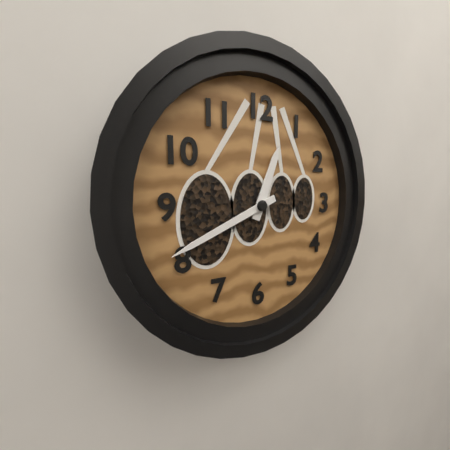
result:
12,41
